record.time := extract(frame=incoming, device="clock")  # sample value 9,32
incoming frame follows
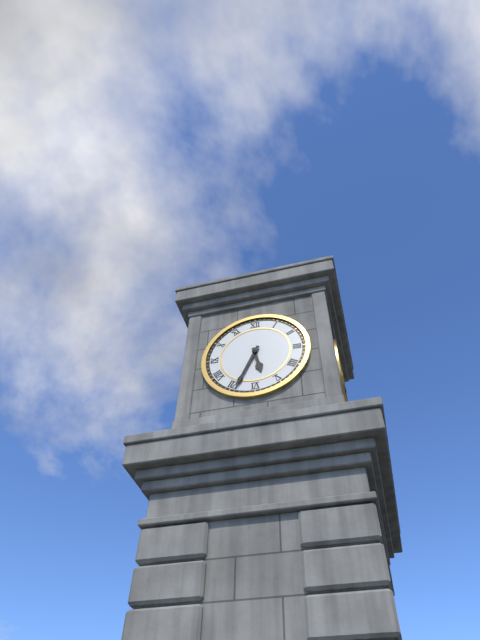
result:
5,34
